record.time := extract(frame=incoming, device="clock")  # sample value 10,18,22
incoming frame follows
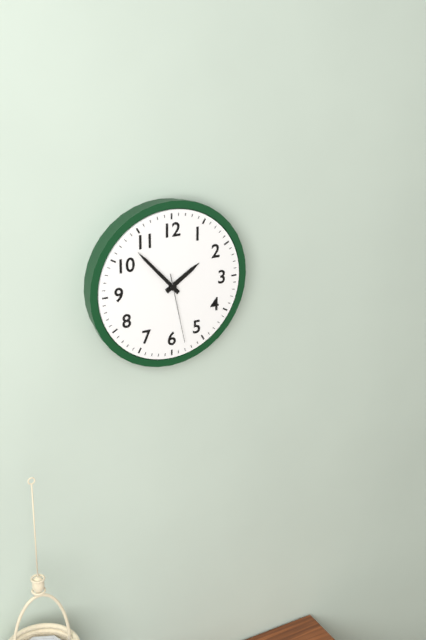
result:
1,53,28
